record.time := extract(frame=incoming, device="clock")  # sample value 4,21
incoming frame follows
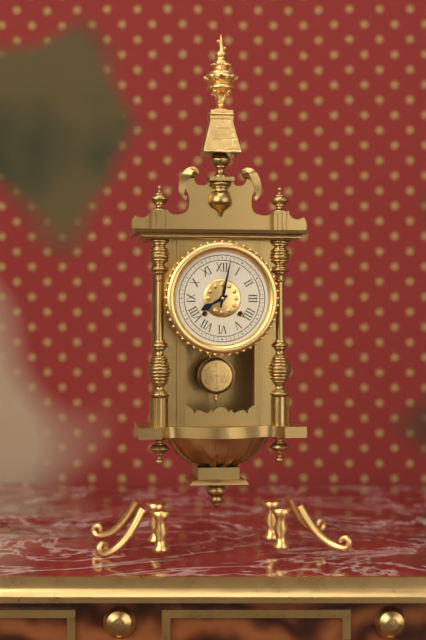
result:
8,02
